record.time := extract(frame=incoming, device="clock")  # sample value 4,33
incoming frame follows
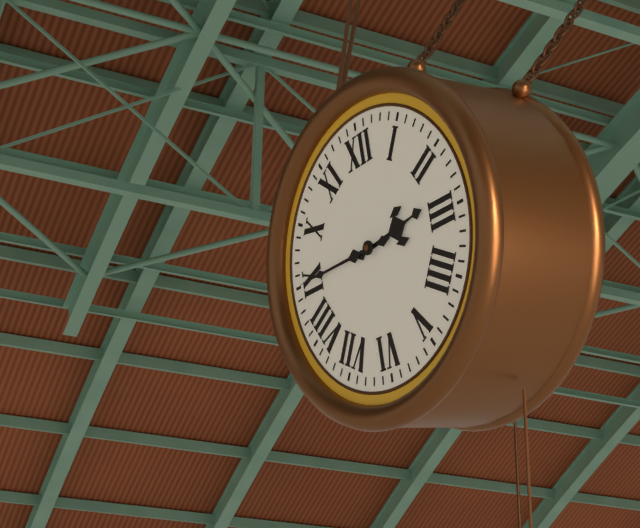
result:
2,45
